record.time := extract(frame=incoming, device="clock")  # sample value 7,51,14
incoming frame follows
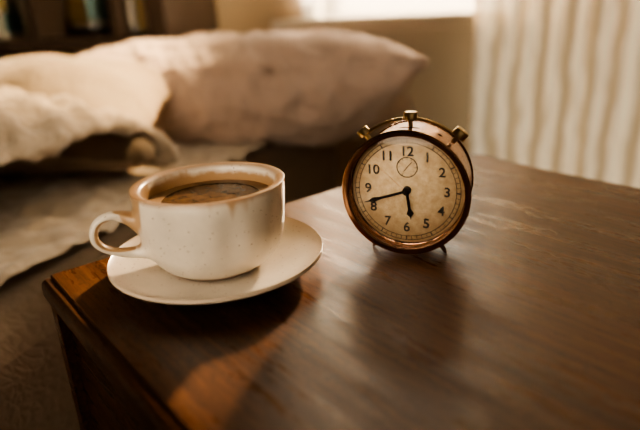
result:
5,42,52
